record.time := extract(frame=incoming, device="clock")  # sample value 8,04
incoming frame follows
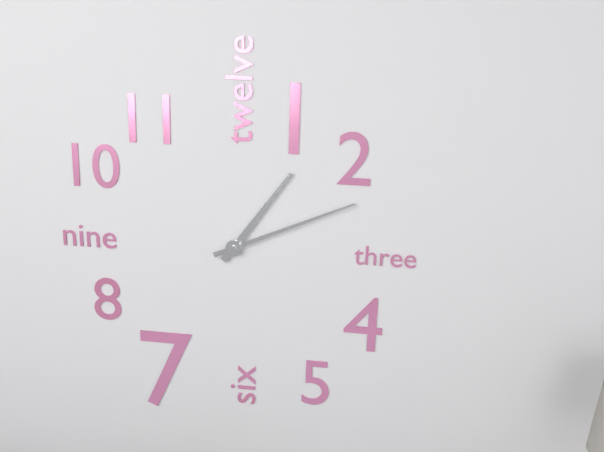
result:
1,11
